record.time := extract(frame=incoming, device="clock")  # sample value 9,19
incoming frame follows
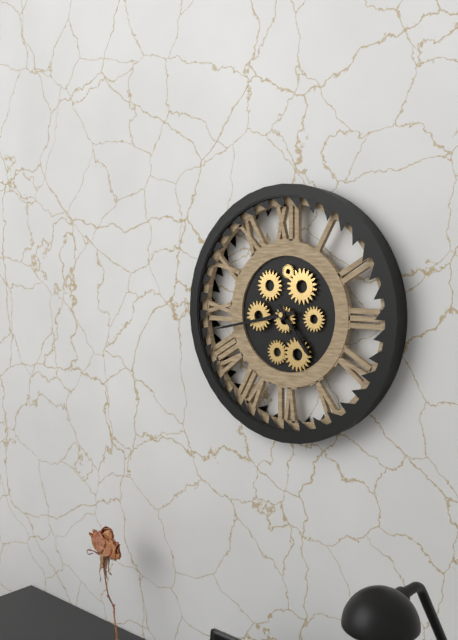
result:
4,43
